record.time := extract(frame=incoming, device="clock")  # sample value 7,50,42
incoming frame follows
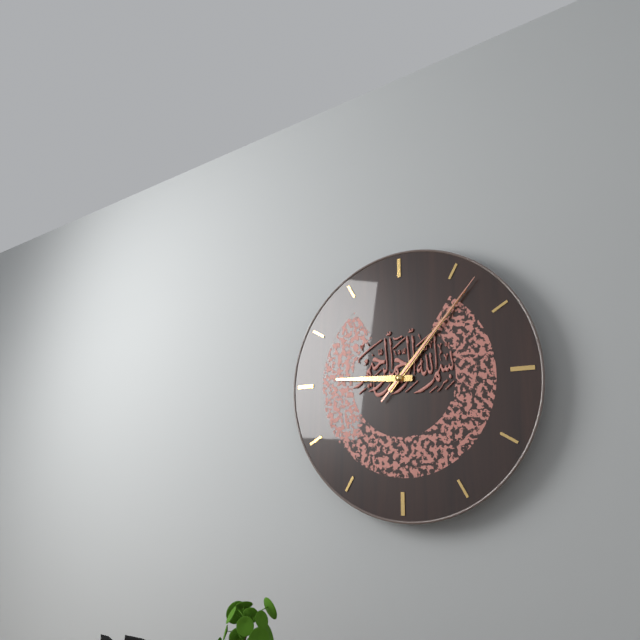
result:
9,07,07
